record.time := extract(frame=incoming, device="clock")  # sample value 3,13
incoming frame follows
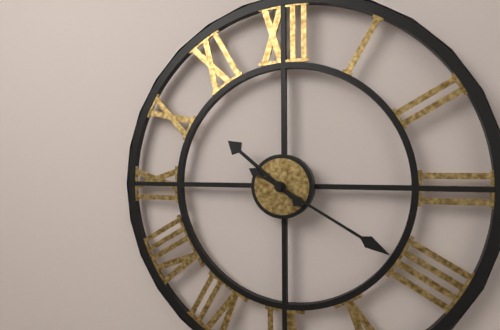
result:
10,20
